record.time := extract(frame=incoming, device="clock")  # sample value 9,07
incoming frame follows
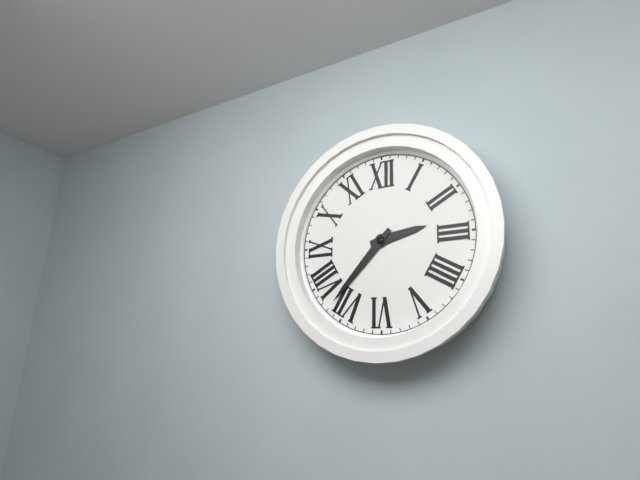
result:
2,37
